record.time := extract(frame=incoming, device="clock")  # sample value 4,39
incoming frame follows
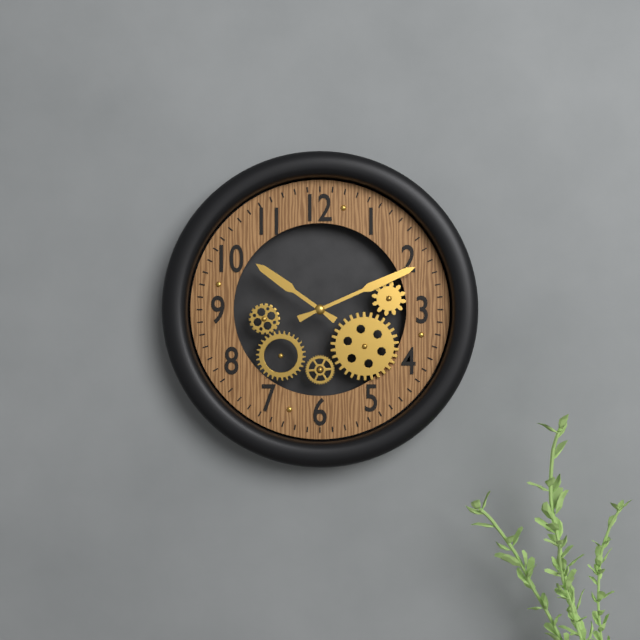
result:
10,11
